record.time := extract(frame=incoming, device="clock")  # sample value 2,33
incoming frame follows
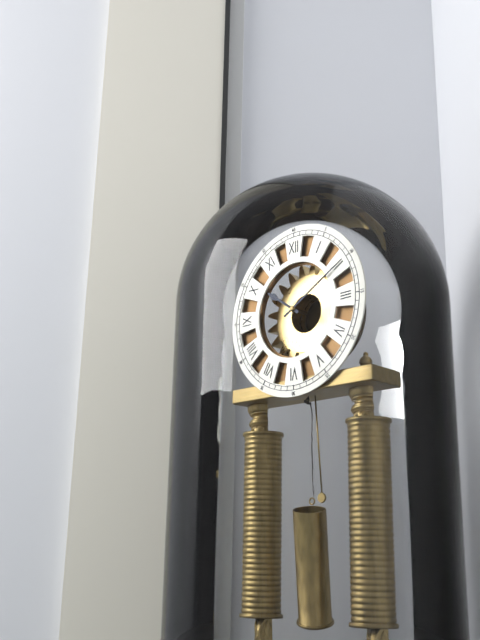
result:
10,10
